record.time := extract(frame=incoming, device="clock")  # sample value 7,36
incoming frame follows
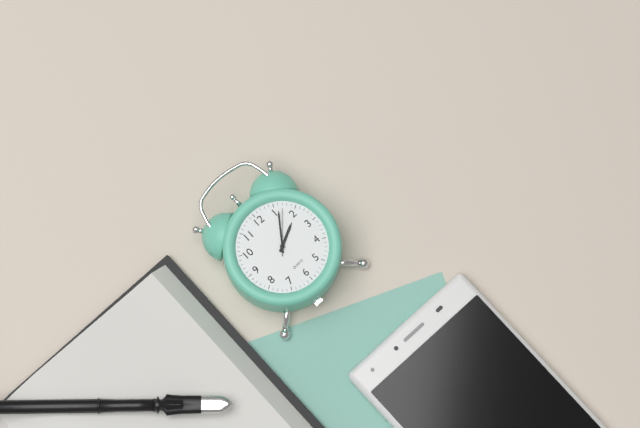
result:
2,06
